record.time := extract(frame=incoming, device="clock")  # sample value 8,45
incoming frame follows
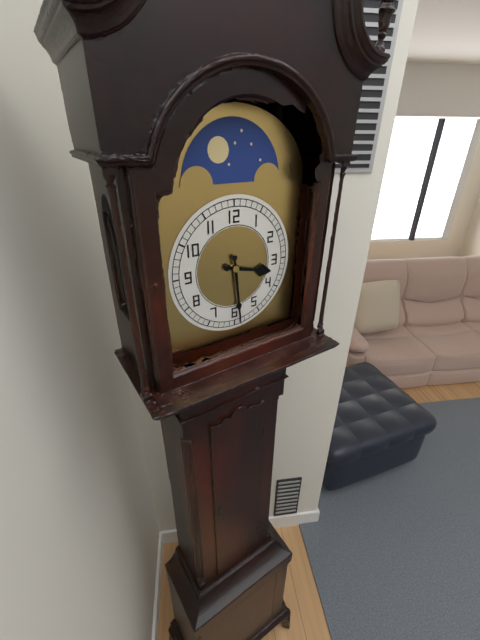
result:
3,29
